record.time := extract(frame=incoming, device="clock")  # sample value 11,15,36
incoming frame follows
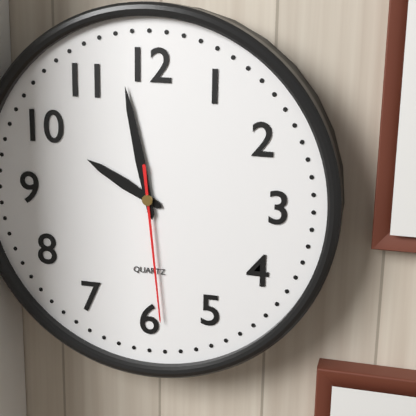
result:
9,58,29
